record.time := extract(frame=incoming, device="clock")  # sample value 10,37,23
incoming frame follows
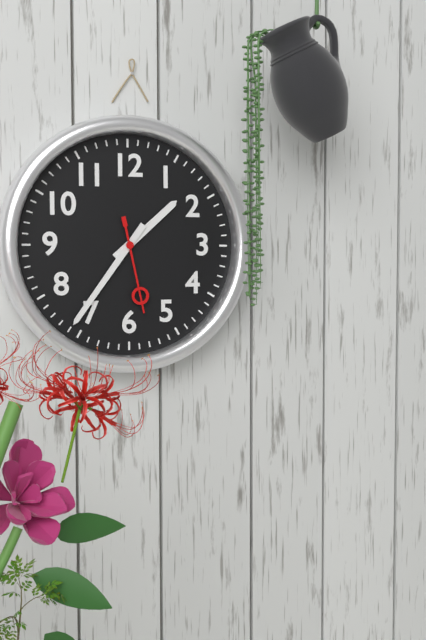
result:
1,36,28
